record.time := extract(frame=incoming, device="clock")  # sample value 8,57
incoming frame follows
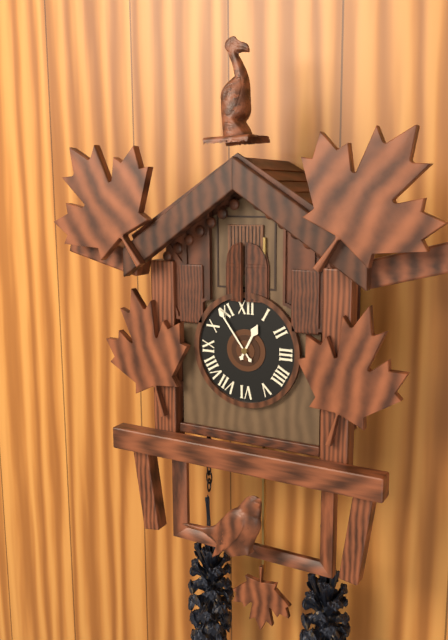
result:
12,54
